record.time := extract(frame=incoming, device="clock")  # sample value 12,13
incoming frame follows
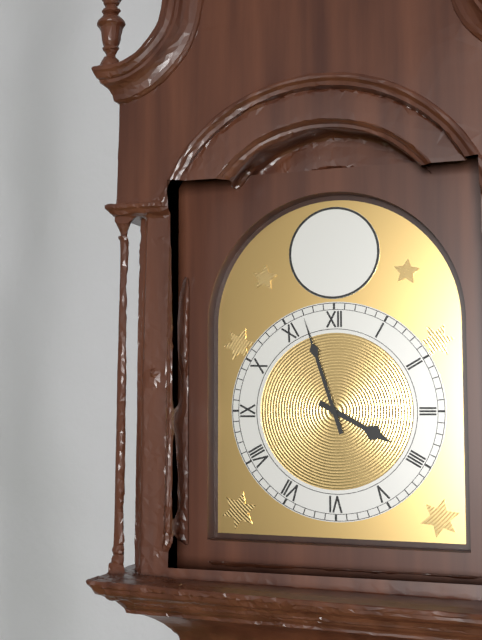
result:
3,57
